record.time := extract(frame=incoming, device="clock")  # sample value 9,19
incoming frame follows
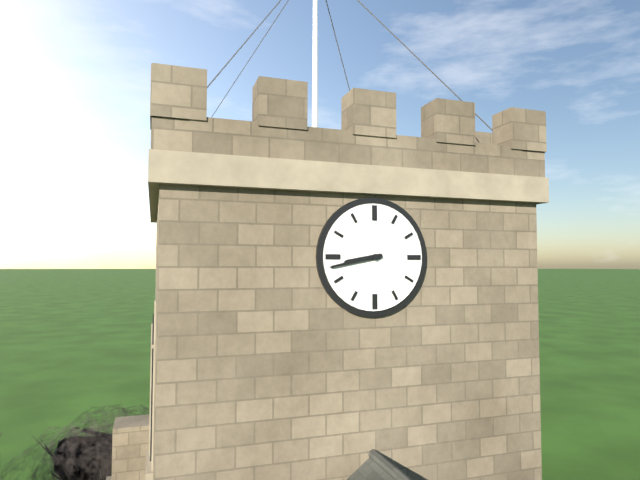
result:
8,43
